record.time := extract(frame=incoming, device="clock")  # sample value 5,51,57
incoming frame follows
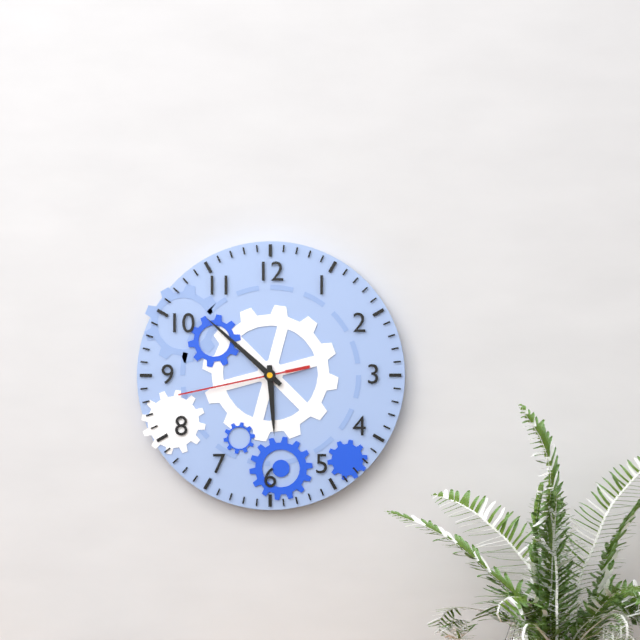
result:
5,52,43
